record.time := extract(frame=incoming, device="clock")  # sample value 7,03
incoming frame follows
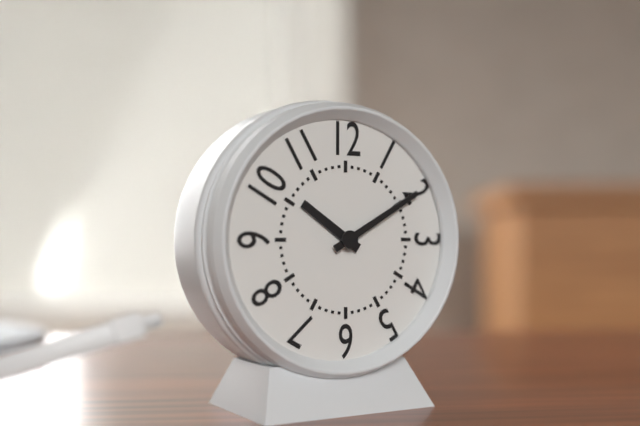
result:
10,10
